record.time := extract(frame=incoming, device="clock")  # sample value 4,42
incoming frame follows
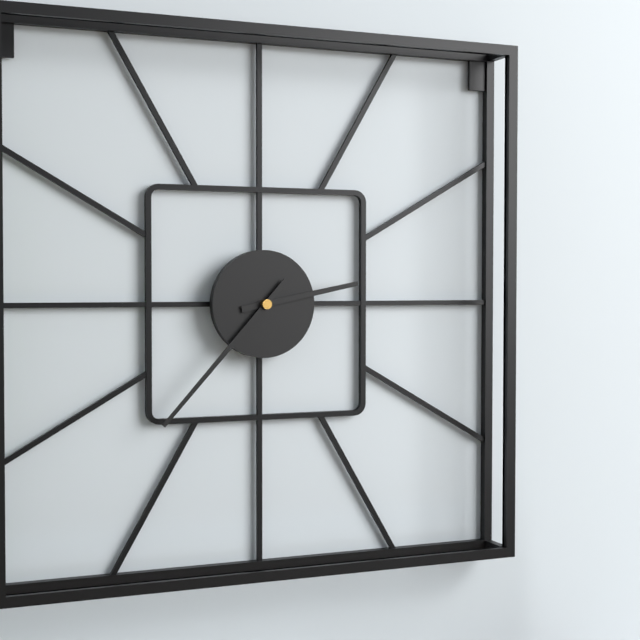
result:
2,37
